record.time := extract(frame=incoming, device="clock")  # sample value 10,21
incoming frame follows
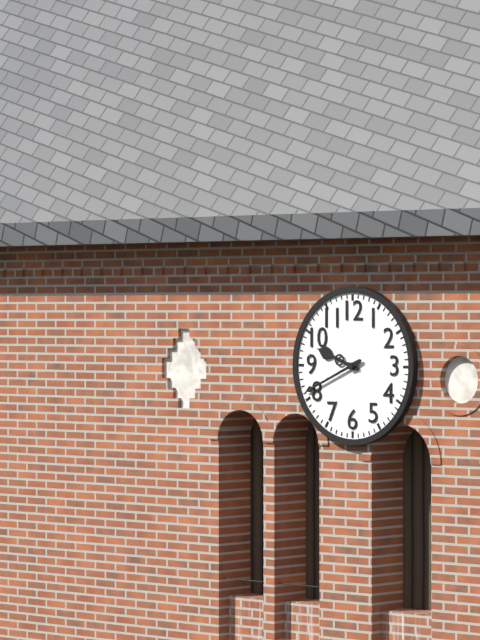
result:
9,41
